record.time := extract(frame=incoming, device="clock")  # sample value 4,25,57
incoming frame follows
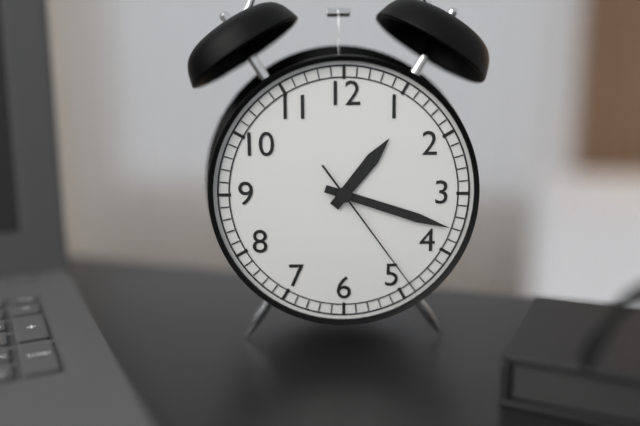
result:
1,18,24
